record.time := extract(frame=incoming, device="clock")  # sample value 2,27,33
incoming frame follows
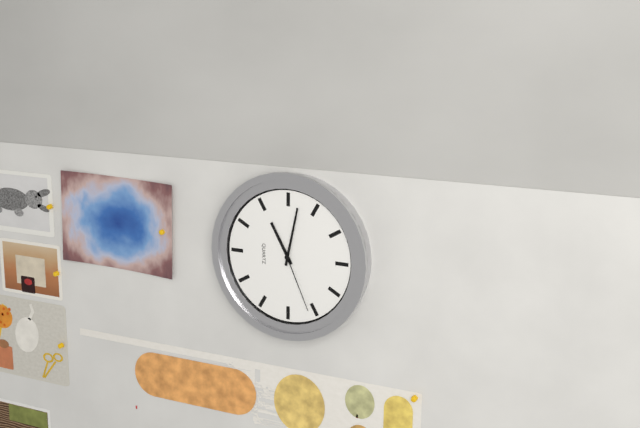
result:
11,02,26
